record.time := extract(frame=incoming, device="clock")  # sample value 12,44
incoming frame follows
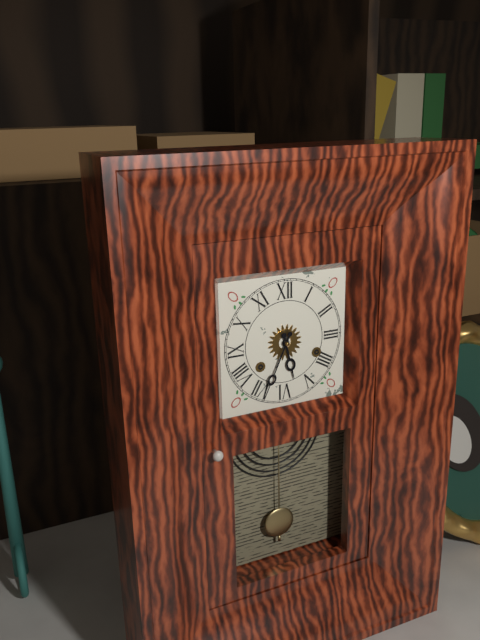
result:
5,34
